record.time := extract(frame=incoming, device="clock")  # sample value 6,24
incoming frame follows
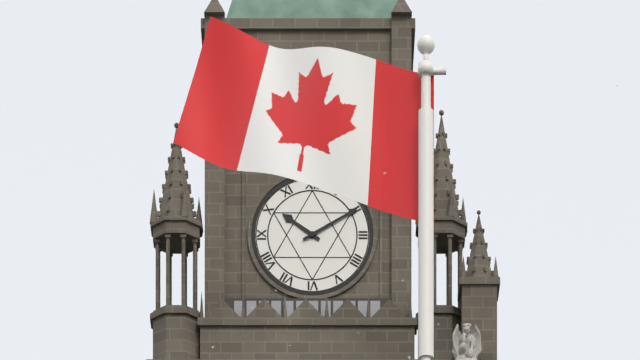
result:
10,10
